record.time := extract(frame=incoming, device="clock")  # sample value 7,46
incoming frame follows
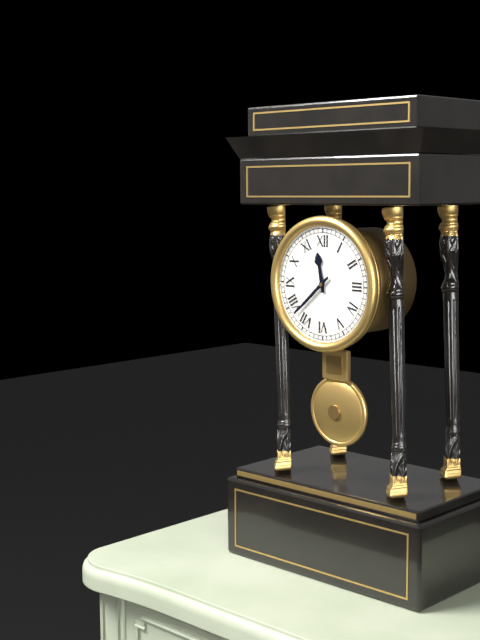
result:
11,38
